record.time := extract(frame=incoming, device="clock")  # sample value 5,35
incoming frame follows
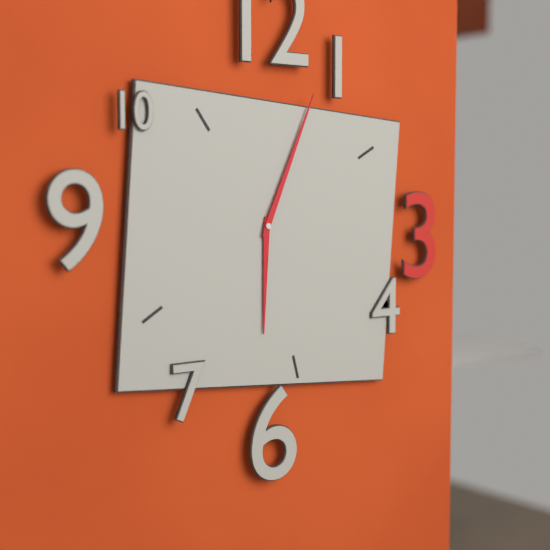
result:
6,04
